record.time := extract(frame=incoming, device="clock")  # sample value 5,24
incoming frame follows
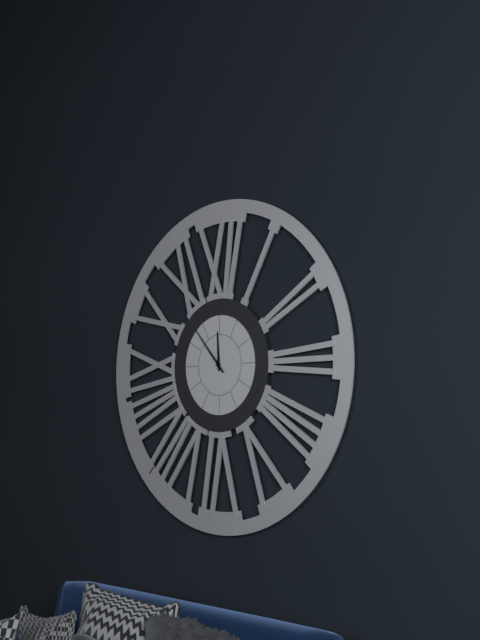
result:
11,53
